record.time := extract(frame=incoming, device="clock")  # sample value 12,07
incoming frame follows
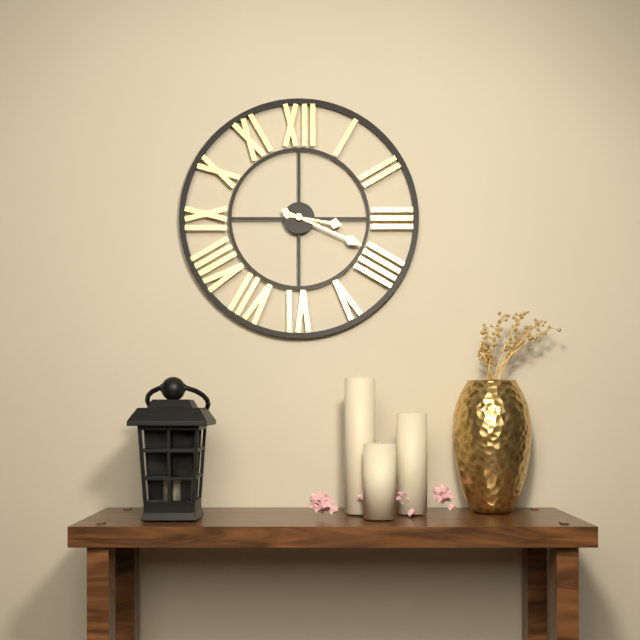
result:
3,19
